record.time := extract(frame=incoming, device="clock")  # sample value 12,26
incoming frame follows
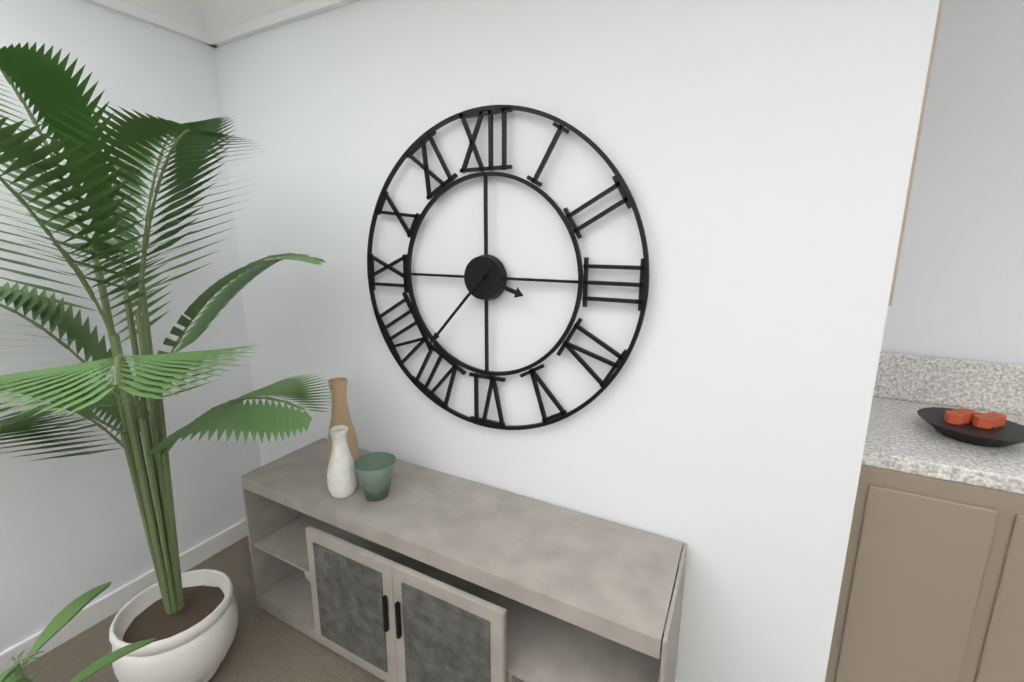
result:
3,37
